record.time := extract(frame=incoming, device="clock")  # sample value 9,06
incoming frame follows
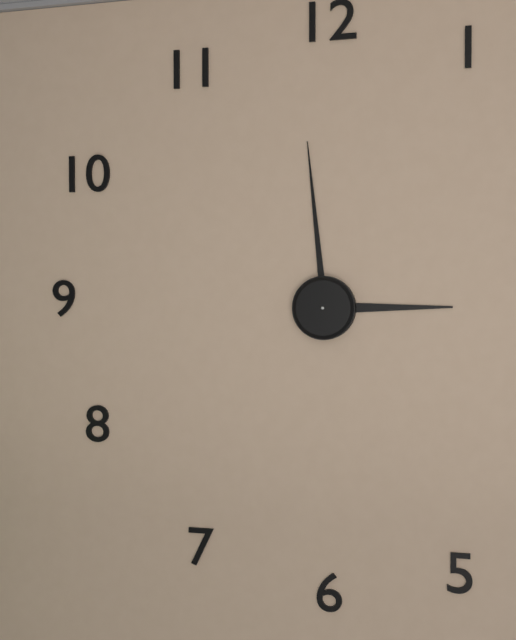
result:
2,59
